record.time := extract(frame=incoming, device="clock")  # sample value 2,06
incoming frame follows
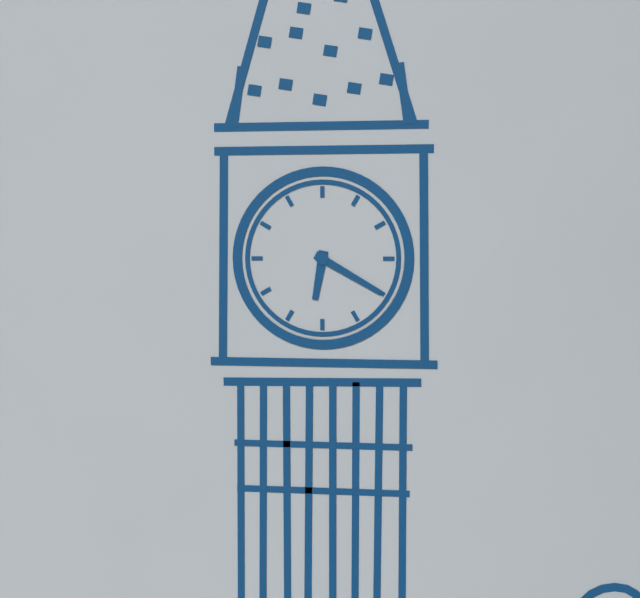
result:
6,20
